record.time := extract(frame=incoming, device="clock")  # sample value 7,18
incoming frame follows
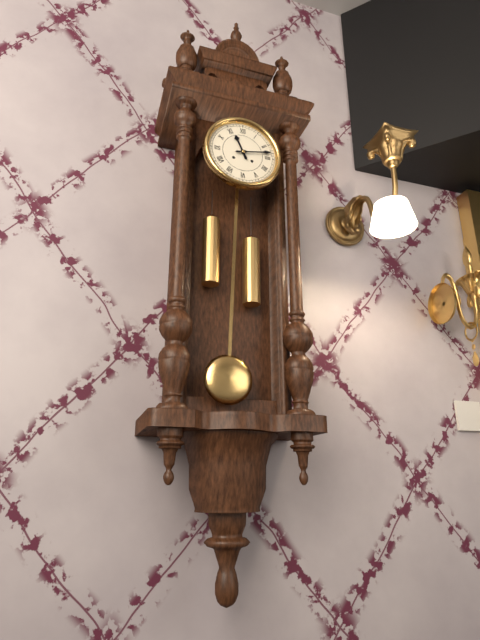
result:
11,13
